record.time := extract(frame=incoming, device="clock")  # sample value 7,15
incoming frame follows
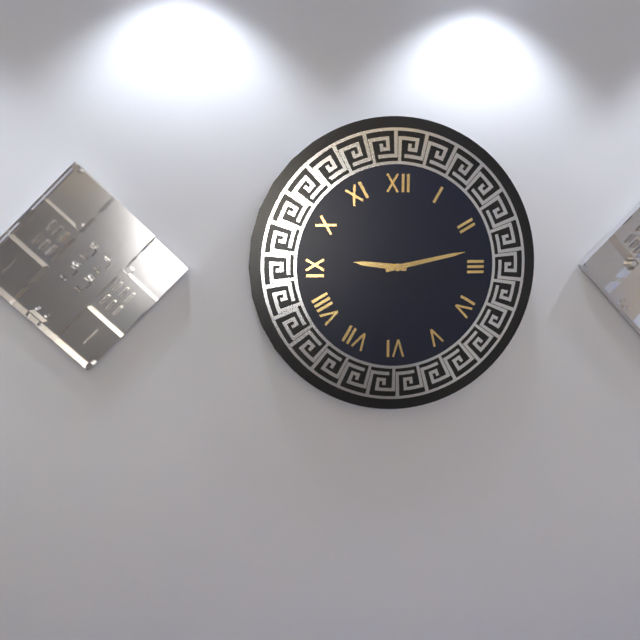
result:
9,13
